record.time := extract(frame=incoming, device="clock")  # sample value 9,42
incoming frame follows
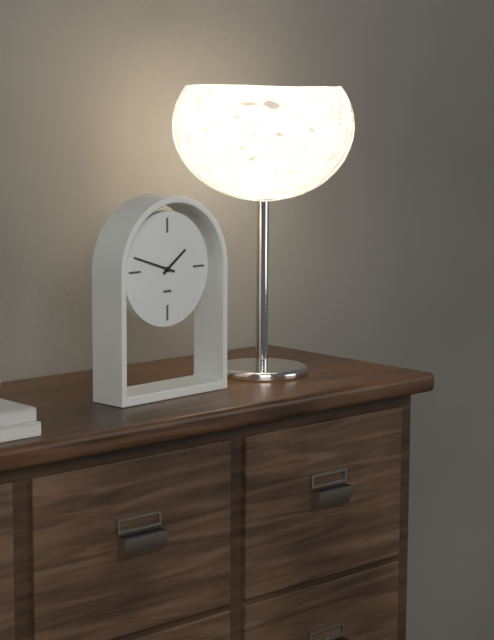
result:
1,48
